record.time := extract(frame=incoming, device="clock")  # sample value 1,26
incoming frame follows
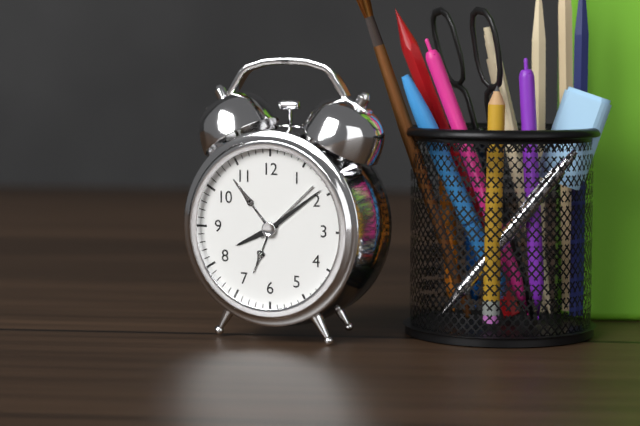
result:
8,09
